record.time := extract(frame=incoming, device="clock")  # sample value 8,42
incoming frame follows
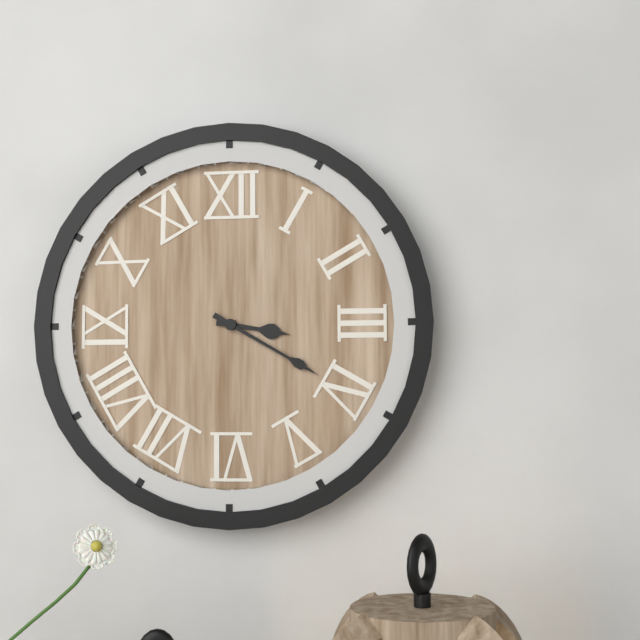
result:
3,20
